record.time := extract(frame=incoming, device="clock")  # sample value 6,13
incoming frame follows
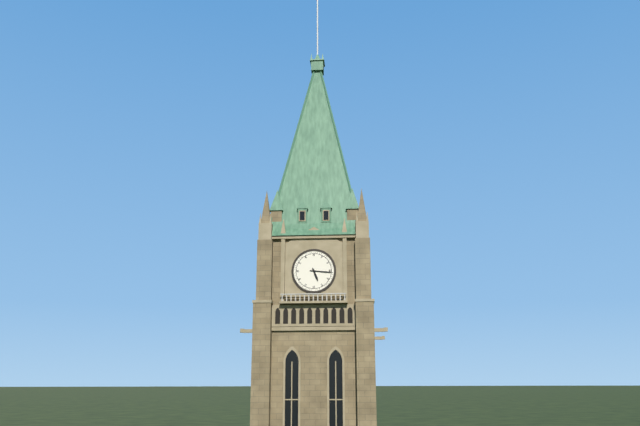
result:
5,16
